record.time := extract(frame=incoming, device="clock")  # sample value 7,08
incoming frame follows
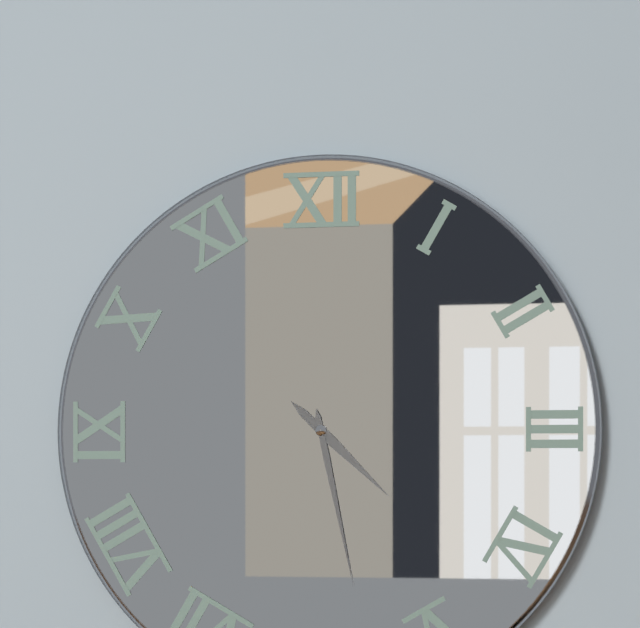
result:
4,28
